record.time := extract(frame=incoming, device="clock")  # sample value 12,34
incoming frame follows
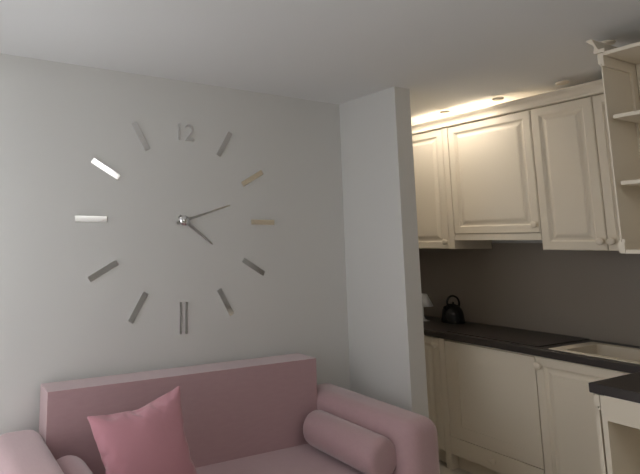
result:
4,12
